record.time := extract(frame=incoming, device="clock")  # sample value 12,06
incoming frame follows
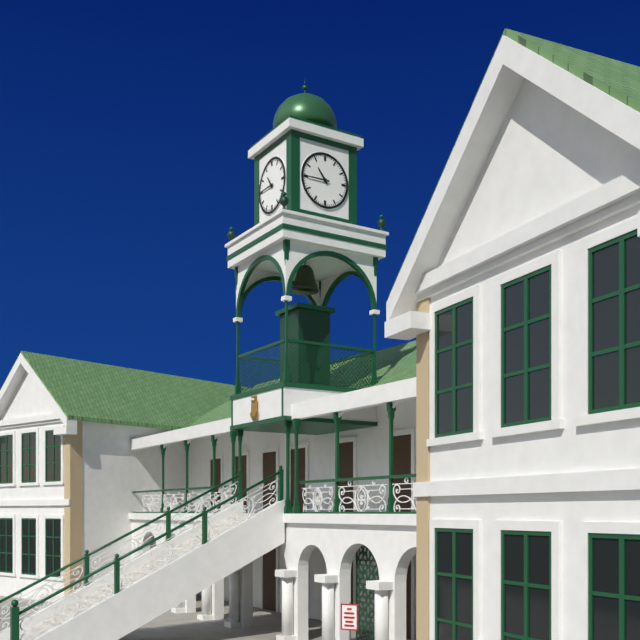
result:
10,45
